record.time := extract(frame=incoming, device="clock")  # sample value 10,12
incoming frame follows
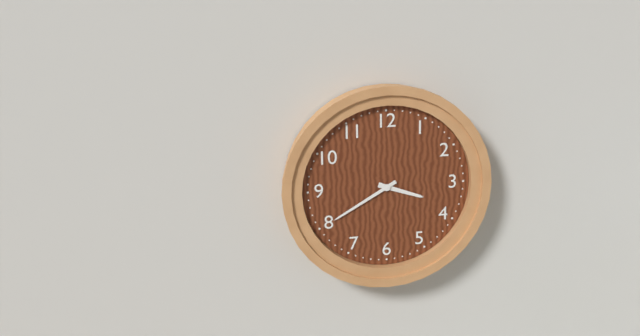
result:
3,40
